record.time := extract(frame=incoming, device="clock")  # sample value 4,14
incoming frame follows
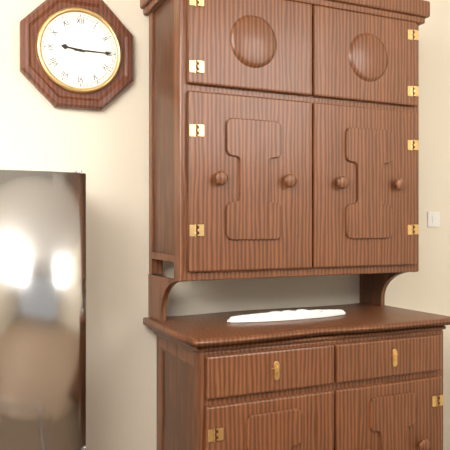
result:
9,15
